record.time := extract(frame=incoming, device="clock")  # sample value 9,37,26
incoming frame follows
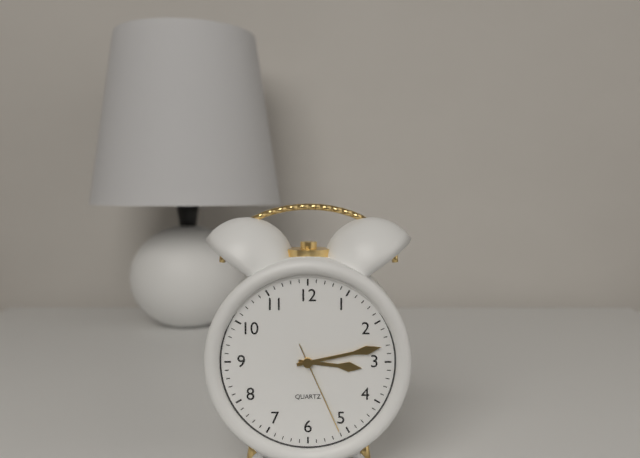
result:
3,13,26
